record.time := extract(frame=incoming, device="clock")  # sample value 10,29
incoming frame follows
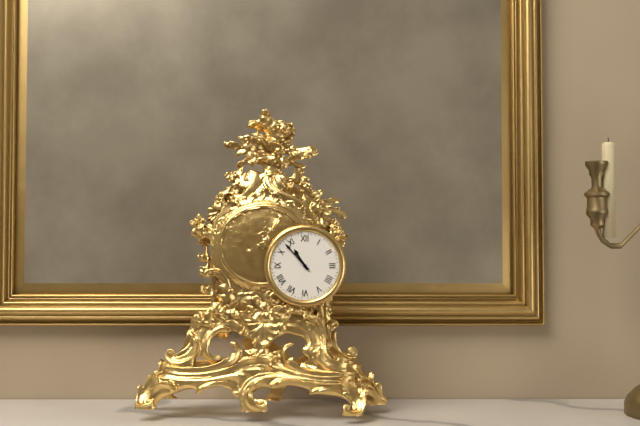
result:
10,53
